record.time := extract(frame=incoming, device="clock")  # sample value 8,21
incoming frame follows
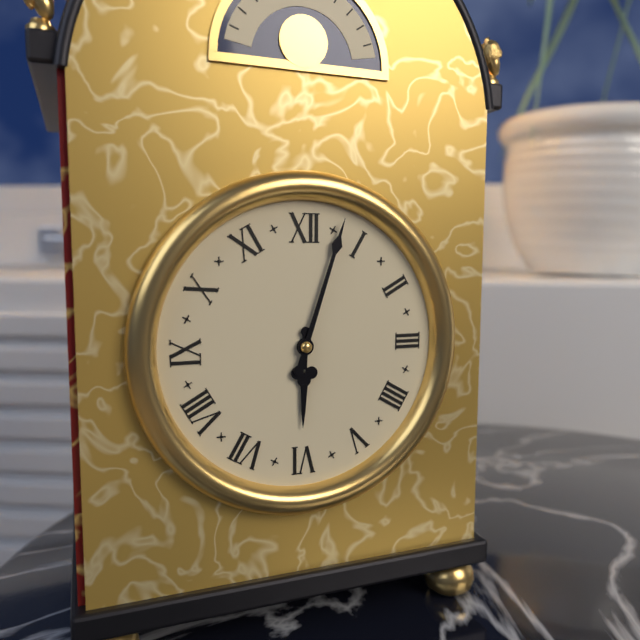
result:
6,03
